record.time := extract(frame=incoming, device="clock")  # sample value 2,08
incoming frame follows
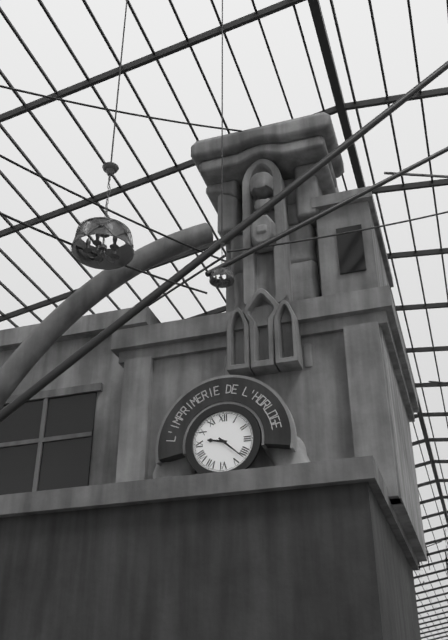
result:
9,22
